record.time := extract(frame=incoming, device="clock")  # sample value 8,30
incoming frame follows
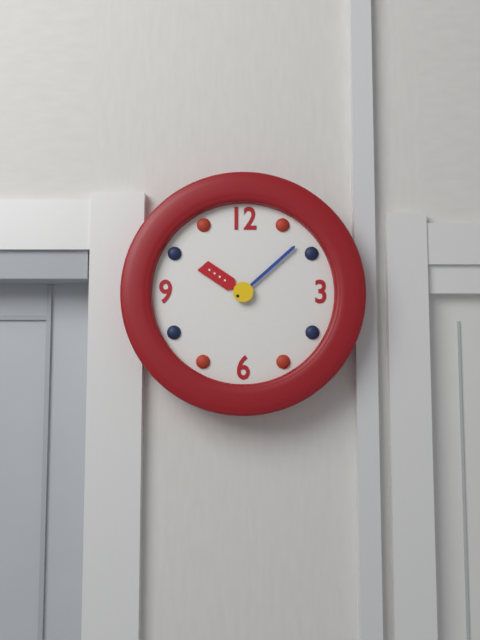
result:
10,08
